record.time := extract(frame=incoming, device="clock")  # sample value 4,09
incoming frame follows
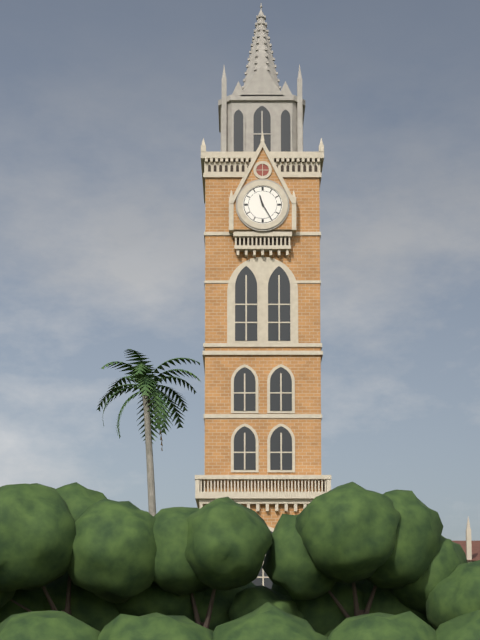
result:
11,25
